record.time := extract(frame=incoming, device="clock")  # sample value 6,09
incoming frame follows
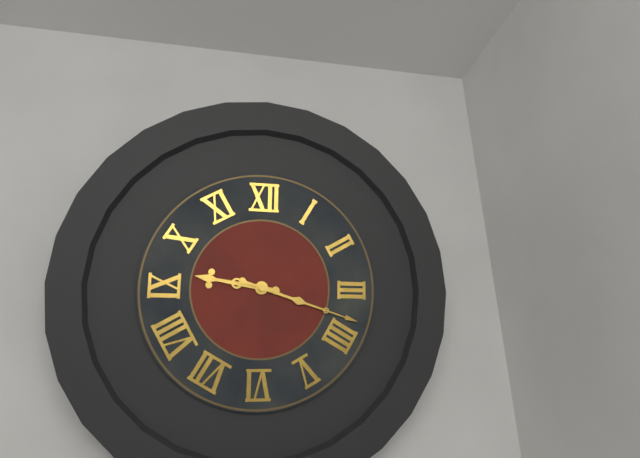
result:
9,18
